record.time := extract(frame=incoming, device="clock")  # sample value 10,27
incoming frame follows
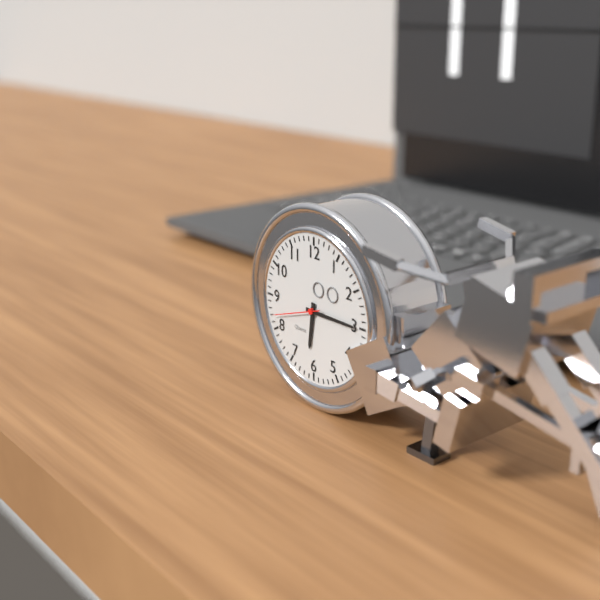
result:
6,15
